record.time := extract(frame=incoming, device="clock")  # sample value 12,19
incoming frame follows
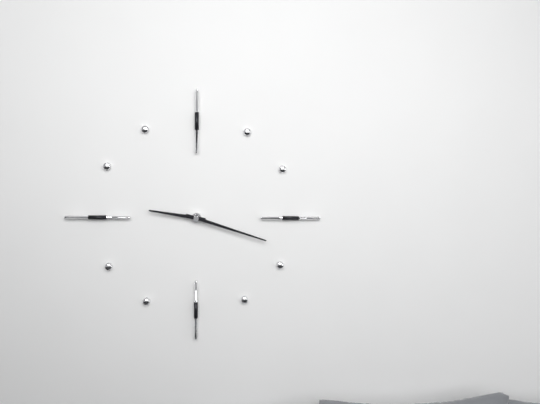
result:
9,18
